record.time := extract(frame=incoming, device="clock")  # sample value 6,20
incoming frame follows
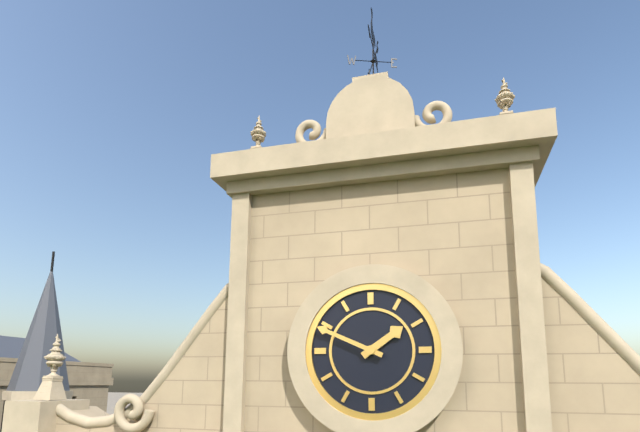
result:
1,49
